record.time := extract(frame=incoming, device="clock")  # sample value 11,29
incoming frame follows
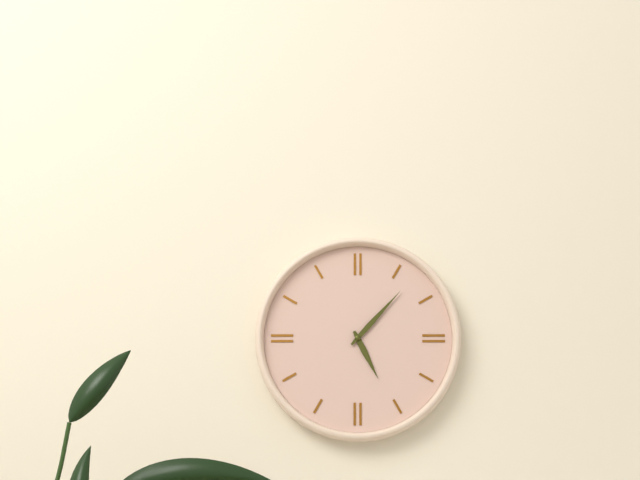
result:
5,07
